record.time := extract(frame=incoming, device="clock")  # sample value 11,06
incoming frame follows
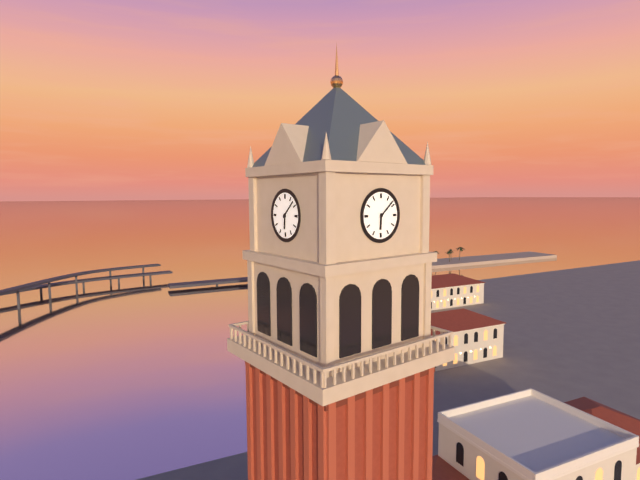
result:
6,08
